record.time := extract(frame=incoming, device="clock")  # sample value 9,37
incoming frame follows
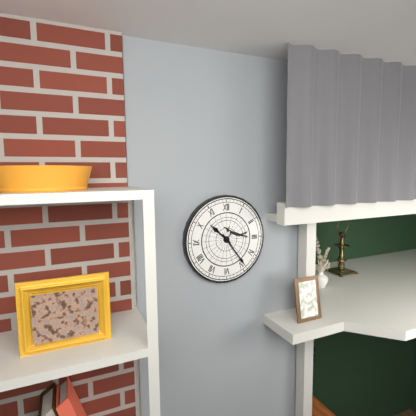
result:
10,24
